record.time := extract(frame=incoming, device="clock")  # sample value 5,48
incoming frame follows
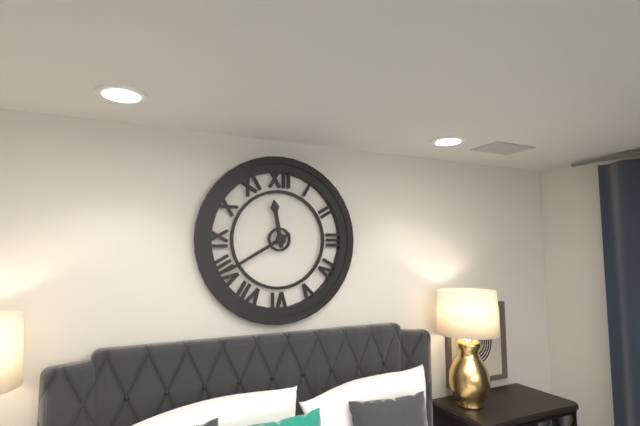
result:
11,40
